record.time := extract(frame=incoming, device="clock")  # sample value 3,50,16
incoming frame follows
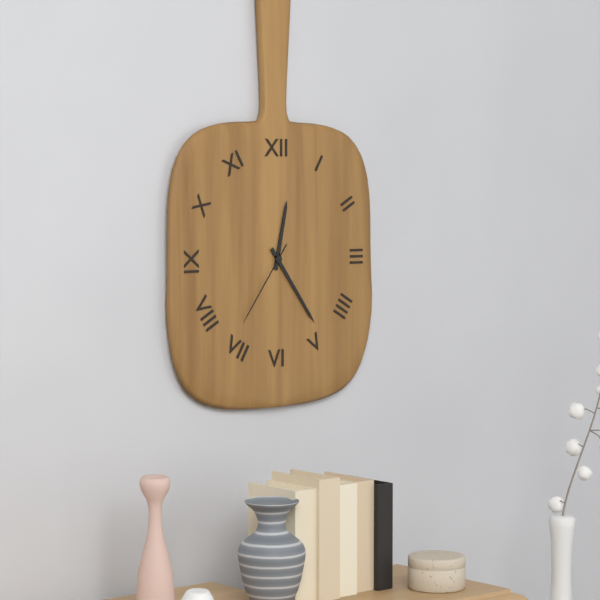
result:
12,24,36
